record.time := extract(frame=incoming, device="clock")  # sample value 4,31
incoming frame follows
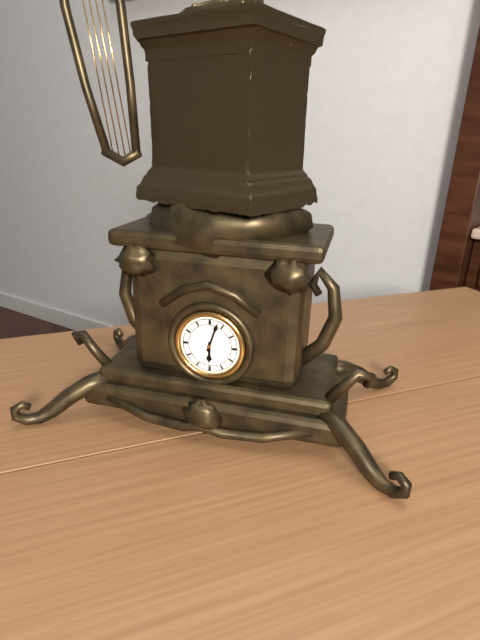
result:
6,03
